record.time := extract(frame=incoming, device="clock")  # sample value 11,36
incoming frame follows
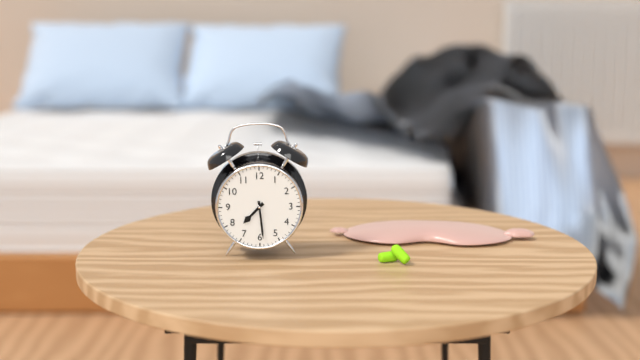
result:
7,29
